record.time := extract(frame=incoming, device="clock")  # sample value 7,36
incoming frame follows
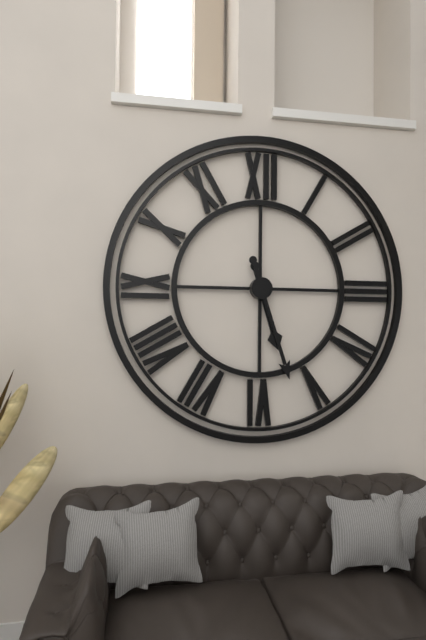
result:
5,27
